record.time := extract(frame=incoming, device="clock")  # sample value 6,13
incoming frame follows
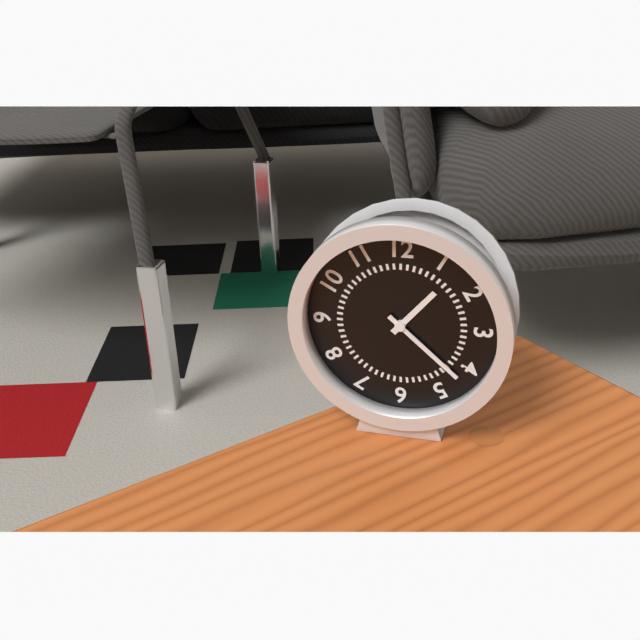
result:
1,22
